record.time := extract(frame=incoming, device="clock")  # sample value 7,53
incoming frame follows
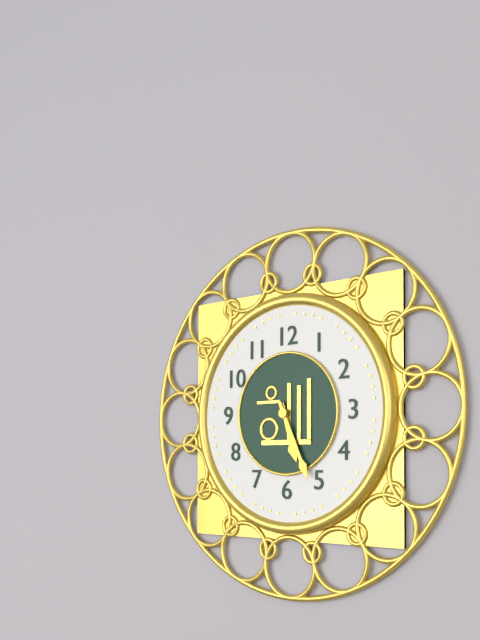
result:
5,26
